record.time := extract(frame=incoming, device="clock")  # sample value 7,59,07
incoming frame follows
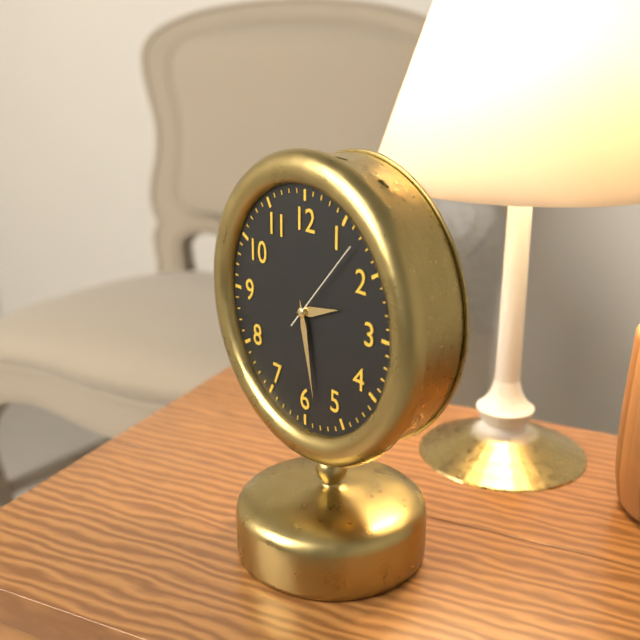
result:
2,28,07
